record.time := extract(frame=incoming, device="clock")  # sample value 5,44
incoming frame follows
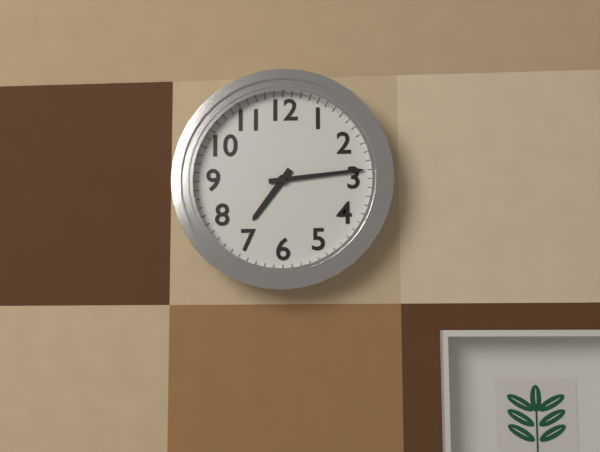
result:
7,14
